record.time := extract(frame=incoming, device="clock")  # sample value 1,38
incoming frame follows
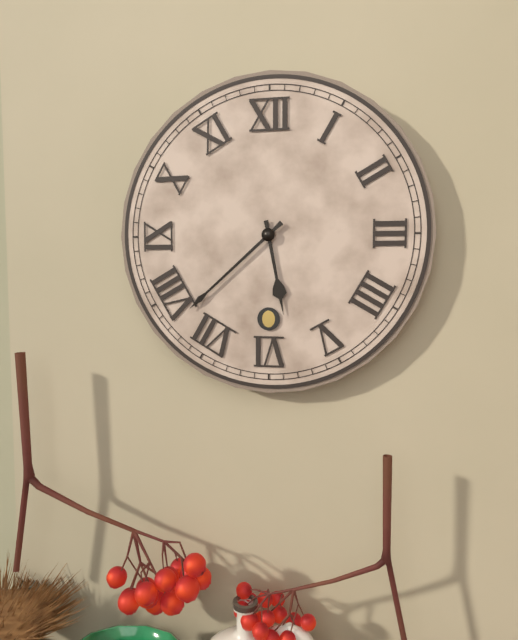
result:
5,38
